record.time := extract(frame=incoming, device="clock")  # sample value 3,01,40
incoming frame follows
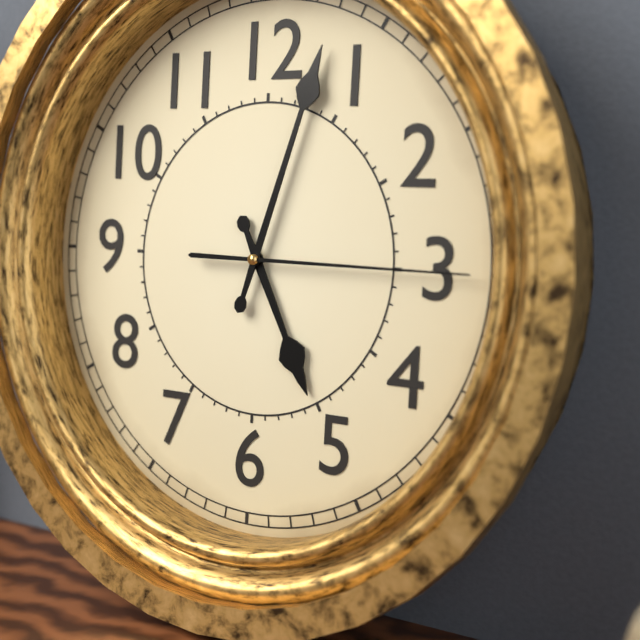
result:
5,03,15
